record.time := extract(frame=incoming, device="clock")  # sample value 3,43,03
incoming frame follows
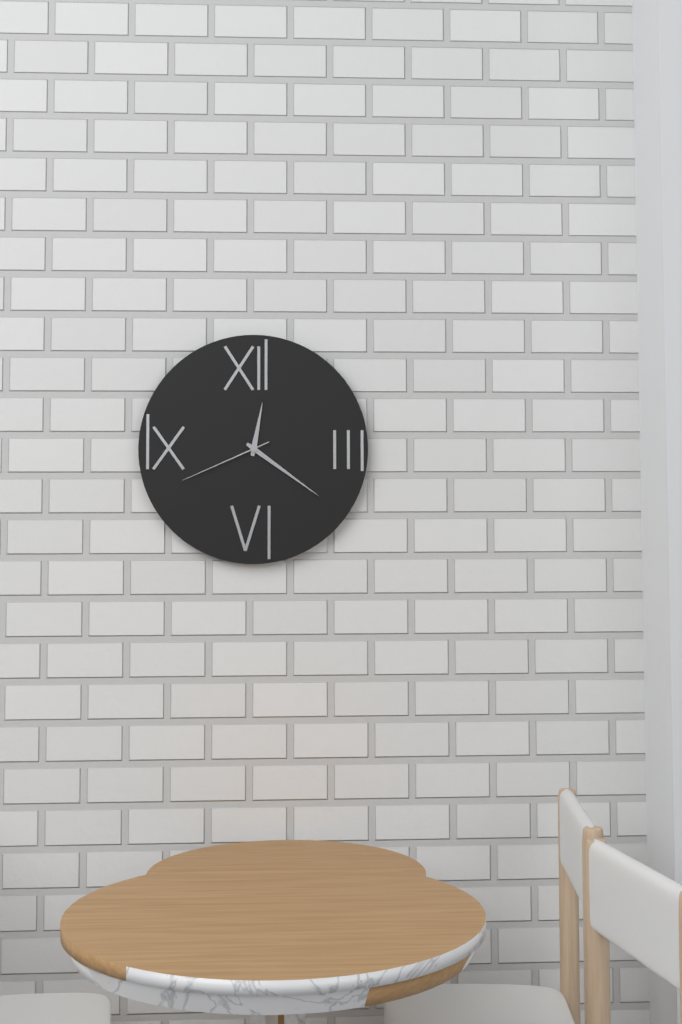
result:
12,21,41
